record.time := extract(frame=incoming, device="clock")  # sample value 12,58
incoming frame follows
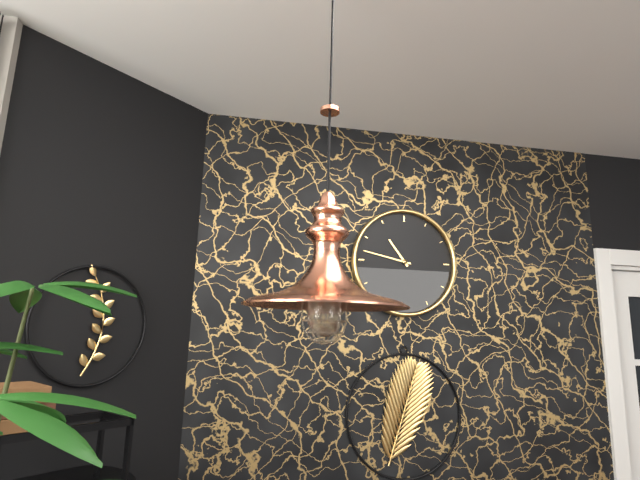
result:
10,47
